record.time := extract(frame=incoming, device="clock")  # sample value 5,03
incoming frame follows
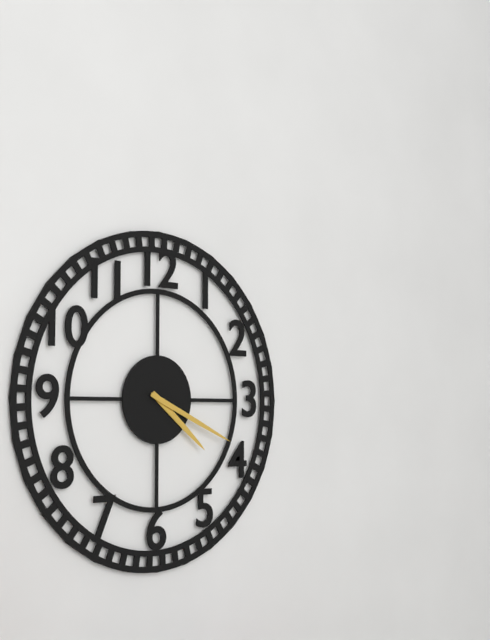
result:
4,19
